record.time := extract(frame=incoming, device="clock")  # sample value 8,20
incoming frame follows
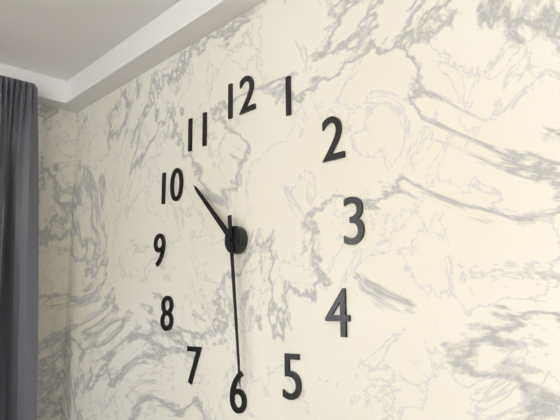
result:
10,29
